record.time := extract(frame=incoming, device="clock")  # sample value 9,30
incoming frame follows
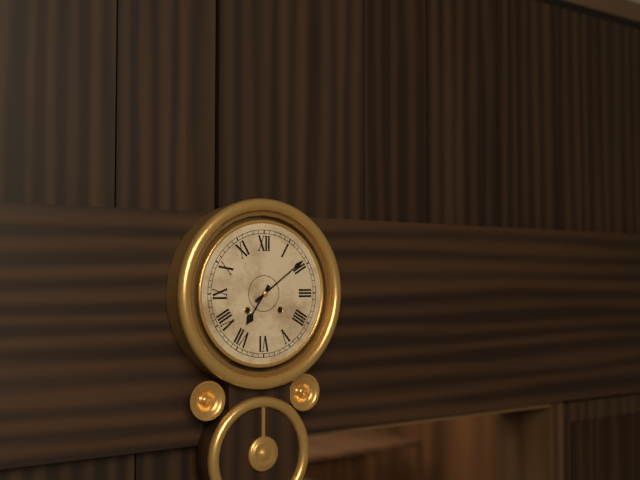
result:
7,09
